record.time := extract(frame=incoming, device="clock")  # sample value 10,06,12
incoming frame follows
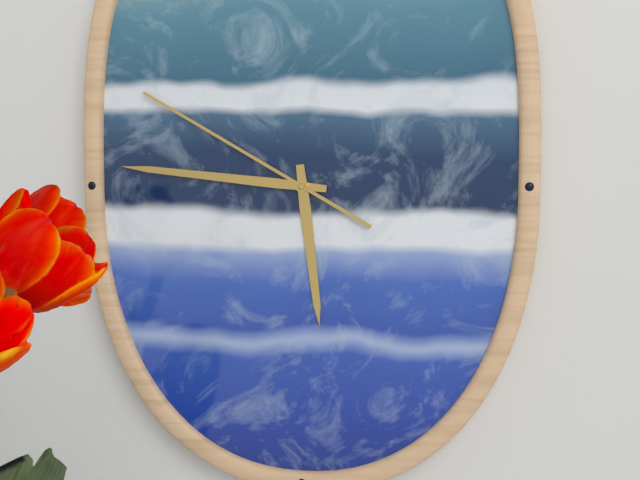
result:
5,46,50
